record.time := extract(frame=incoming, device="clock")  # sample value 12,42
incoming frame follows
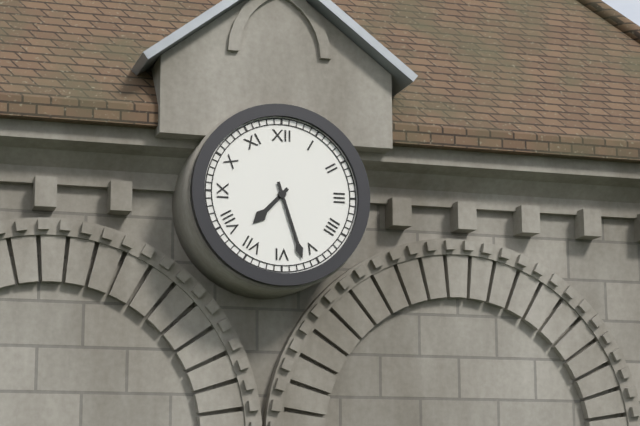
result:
7,27
